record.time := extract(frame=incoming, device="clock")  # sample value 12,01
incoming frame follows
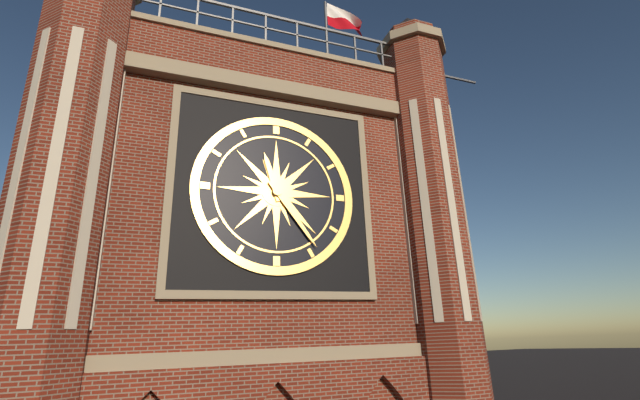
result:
11,24
